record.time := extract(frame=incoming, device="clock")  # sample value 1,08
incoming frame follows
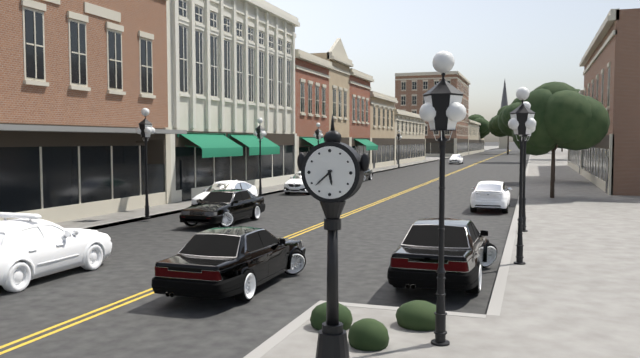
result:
5,38
